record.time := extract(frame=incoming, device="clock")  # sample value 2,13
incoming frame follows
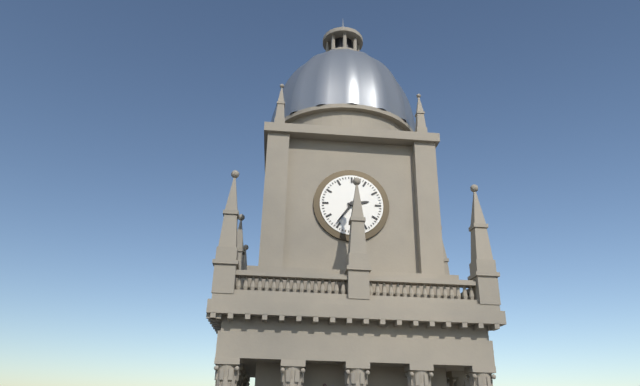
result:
2,36
